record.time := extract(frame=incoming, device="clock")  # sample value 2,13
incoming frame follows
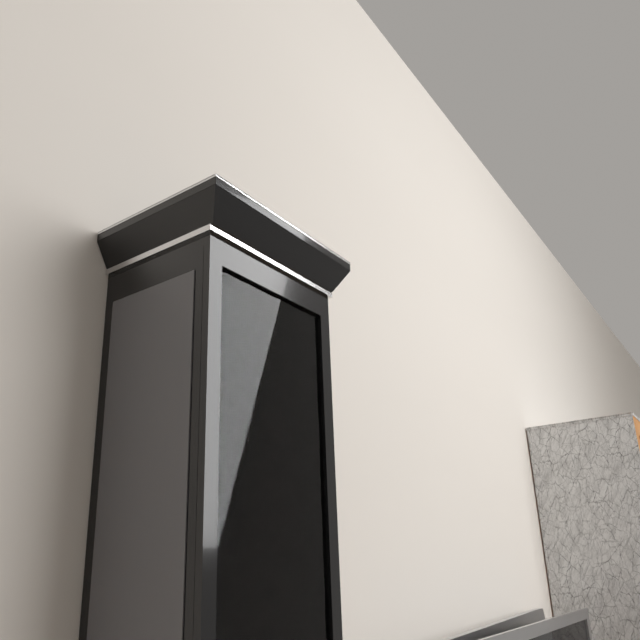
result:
1,00
